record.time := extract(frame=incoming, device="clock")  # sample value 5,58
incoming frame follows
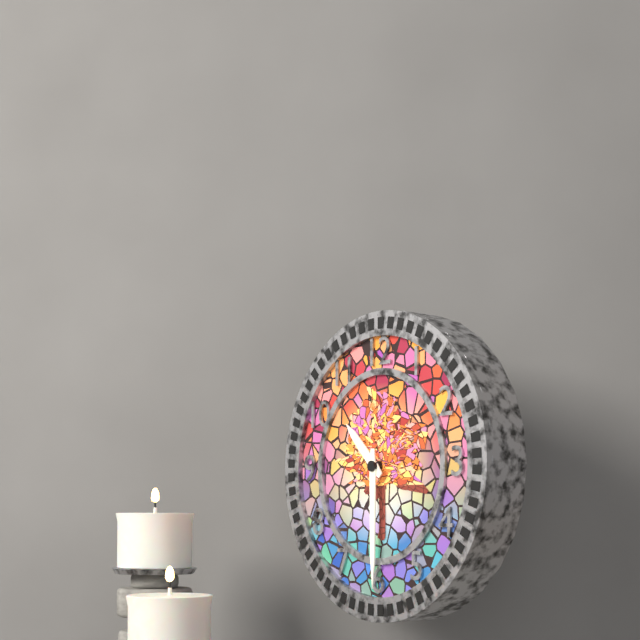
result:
10,30
